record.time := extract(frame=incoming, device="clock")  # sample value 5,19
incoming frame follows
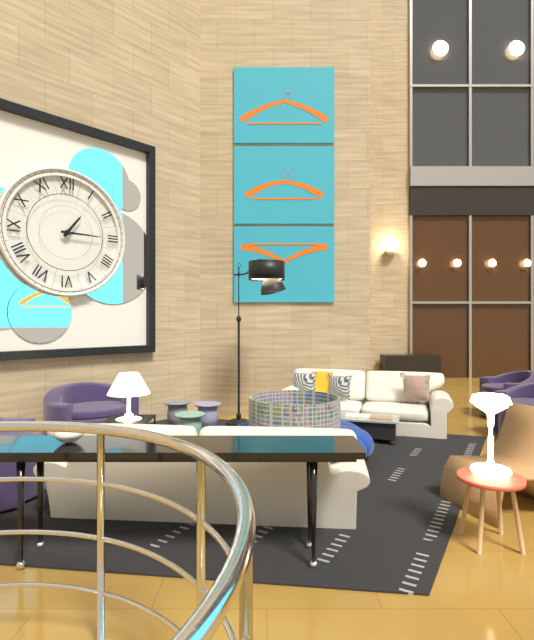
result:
1,15
